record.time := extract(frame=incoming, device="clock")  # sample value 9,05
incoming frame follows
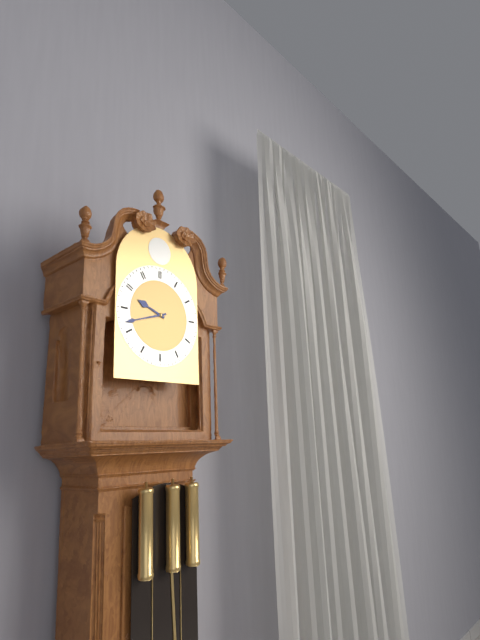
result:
9,42
